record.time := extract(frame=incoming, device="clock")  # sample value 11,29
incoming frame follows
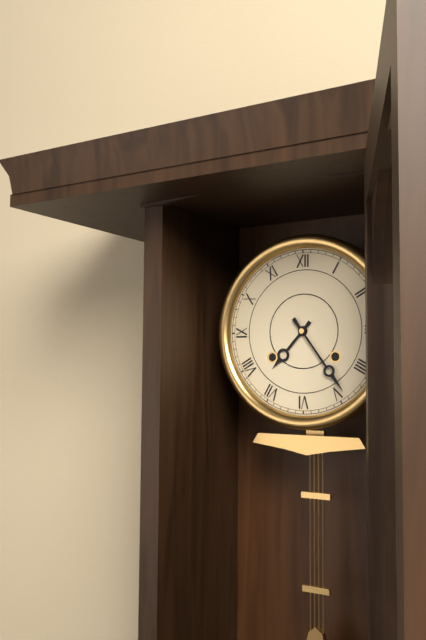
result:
7,24
